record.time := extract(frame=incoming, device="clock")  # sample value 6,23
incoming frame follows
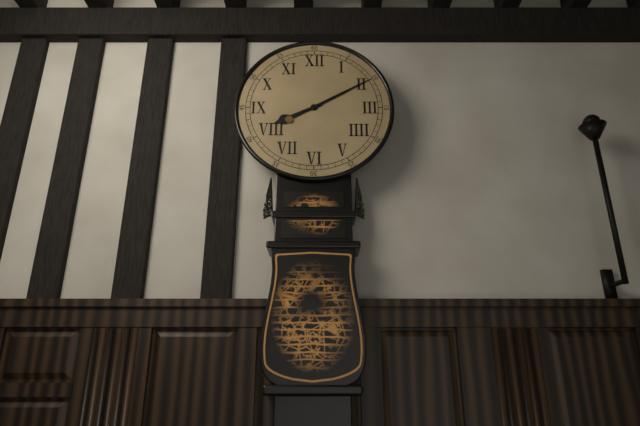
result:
8,10
